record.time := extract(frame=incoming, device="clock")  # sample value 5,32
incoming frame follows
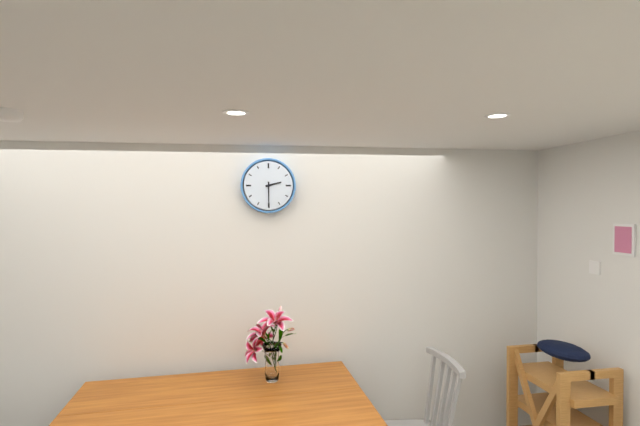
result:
2,30
